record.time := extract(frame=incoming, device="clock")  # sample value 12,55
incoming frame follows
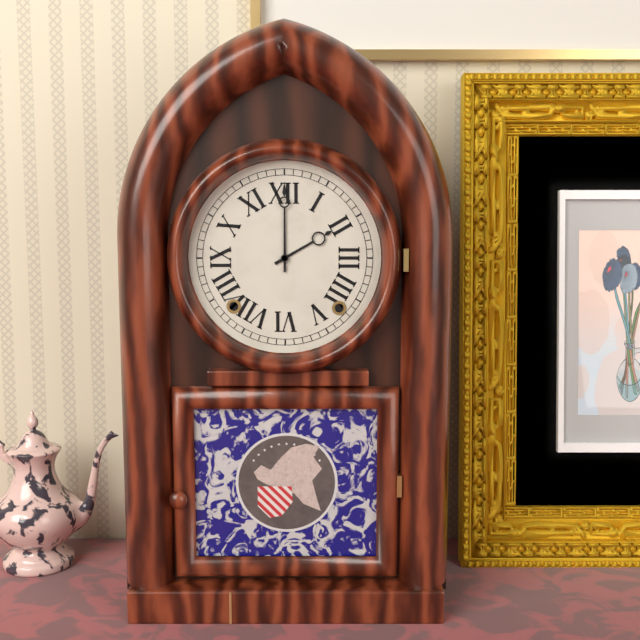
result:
2,00
